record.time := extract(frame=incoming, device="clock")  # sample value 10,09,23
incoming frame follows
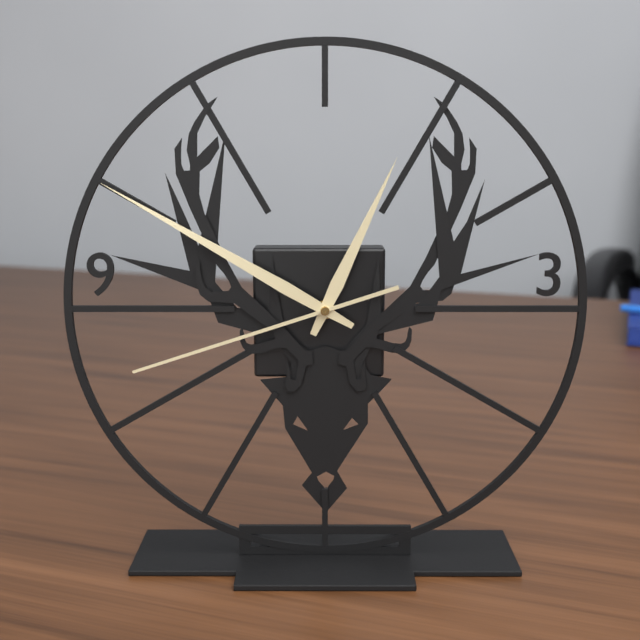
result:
12,50,42
